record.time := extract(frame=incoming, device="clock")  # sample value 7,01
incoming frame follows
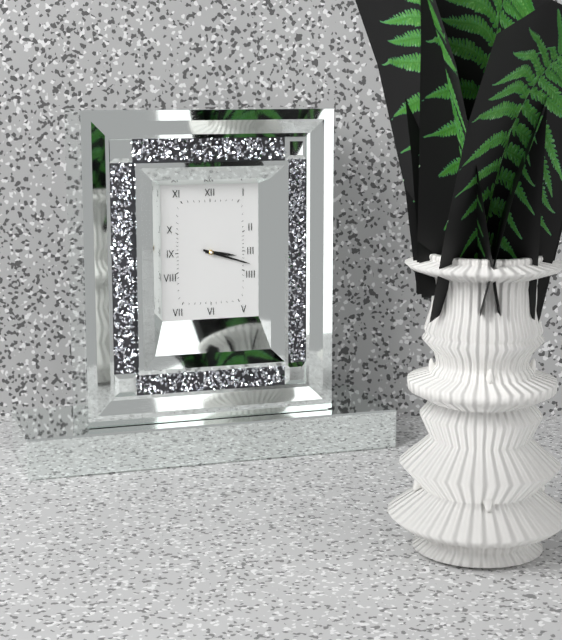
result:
3,18
